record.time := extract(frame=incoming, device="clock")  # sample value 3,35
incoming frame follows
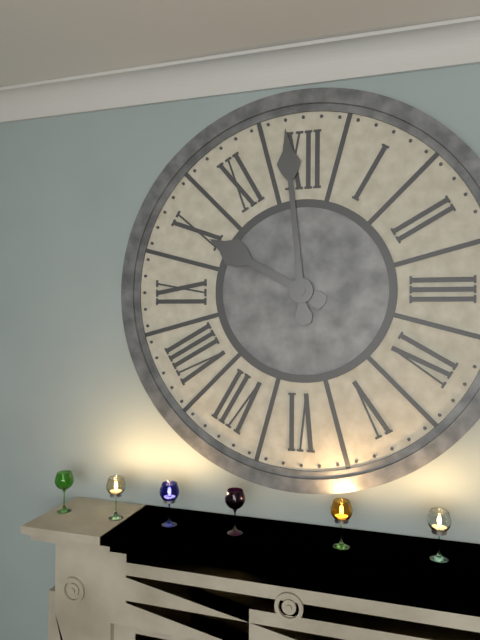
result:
9,59
